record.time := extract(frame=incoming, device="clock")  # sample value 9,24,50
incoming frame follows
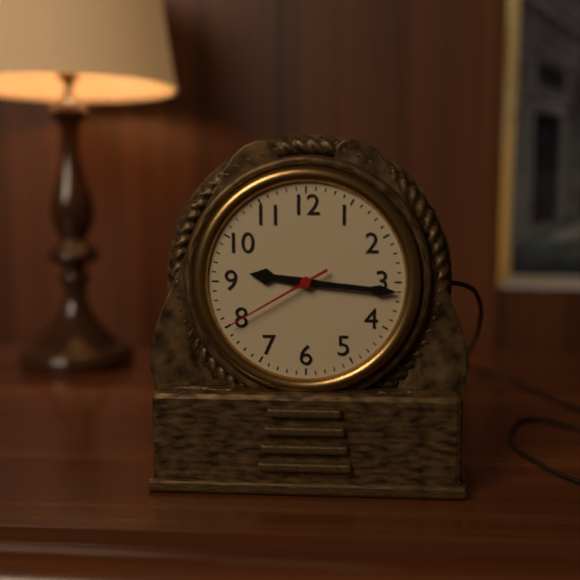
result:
9,16,40
